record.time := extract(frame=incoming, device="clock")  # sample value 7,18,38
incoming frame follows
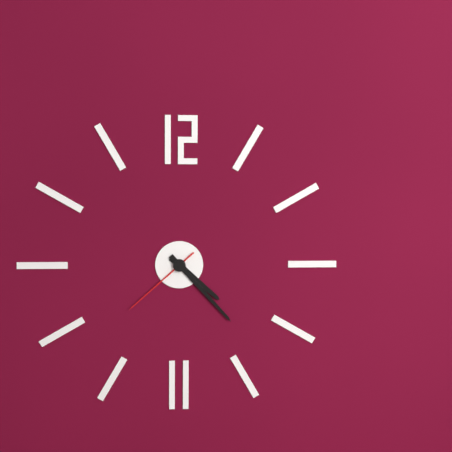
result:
4,23,38
